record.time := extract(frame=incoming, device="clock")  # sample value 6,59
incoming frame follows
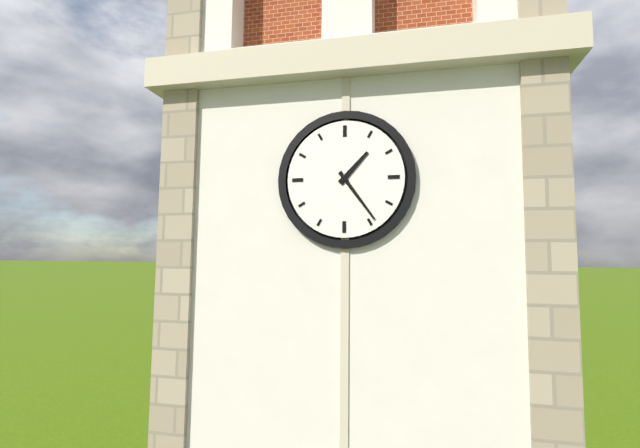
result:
1,24
